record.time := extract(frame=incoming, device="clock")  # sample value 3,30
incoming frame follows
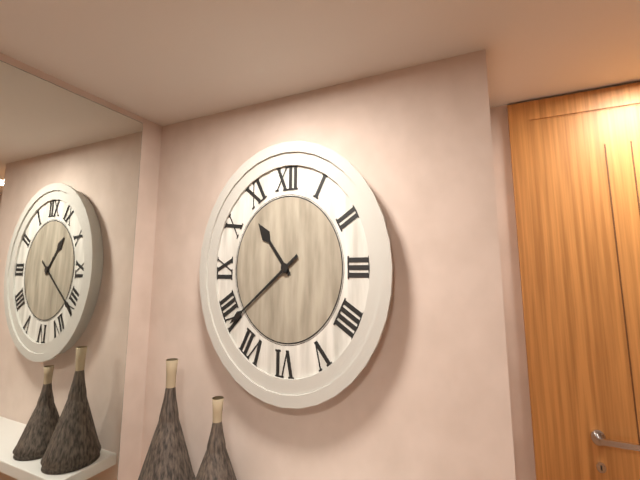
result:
10,39
